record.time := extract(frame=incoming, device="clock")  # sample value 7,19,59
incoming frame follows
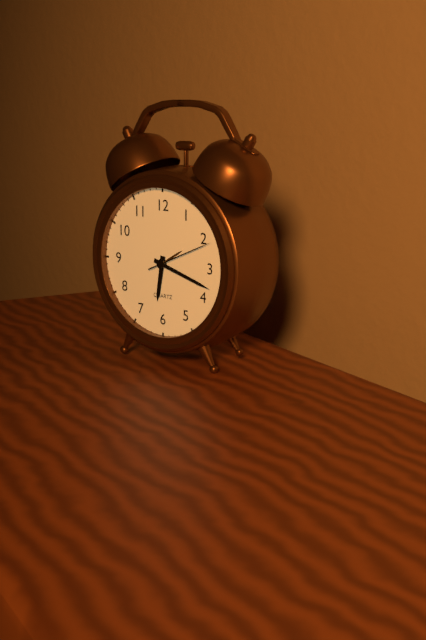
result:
6,18,11
